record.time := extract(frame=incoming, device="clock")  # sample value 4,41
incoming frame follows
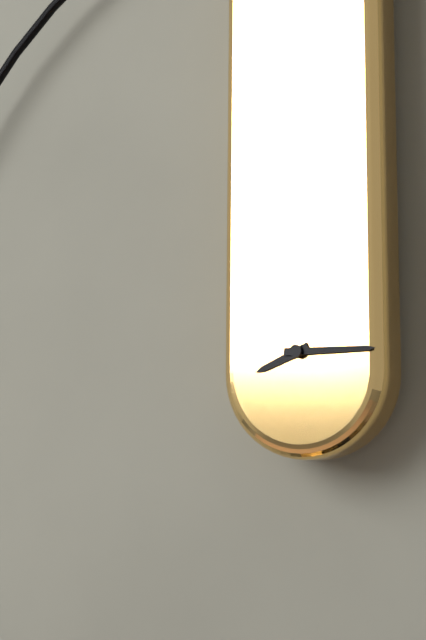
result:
8,15
